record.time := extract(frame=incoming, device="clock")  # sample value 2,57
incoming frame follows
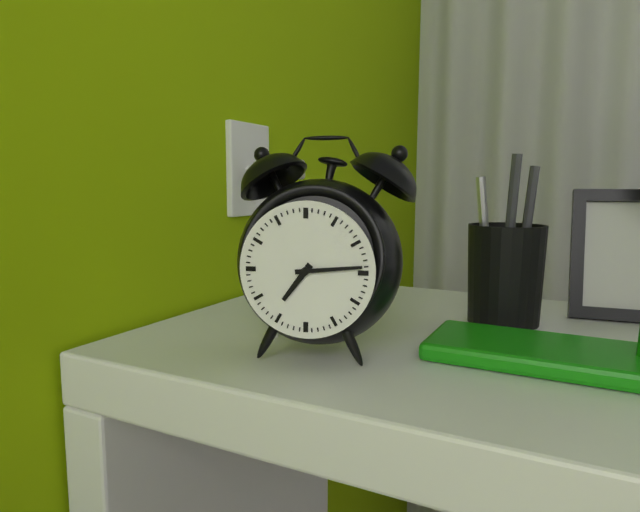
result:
7,14
